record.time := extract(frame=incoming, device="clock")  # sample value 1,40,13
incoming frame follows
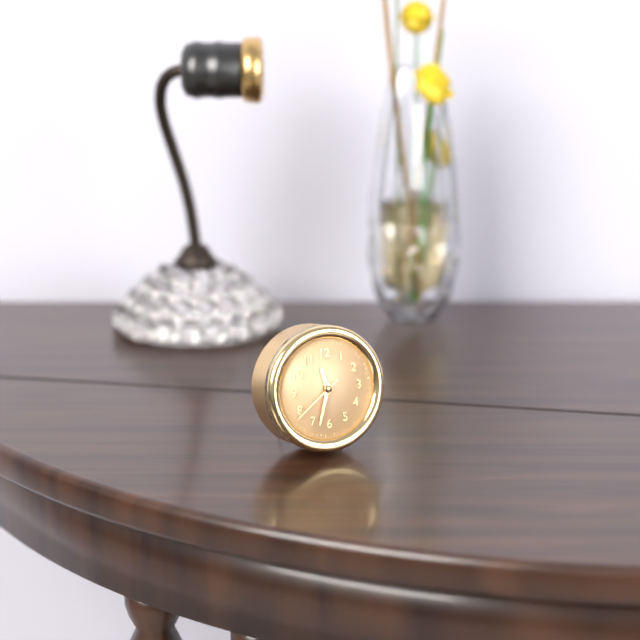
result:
11,33,39
